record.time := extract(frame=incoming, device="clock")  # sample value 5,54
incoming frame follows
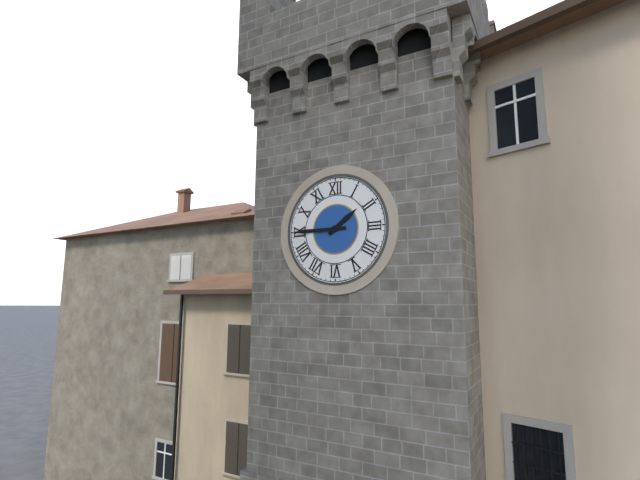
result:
1,45
